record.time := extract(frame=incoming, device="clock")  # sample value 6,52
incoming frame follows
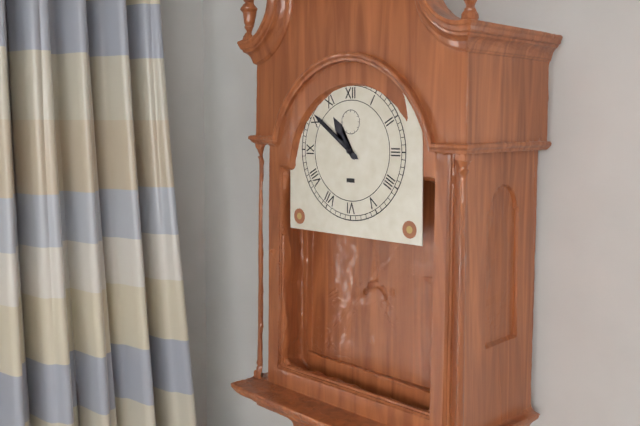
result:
10,51
